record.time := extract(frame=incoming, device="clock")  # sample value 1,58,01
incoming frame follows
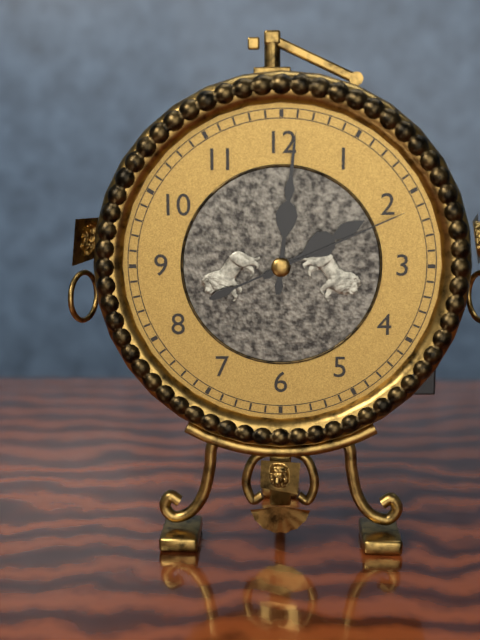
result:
2,01,11
